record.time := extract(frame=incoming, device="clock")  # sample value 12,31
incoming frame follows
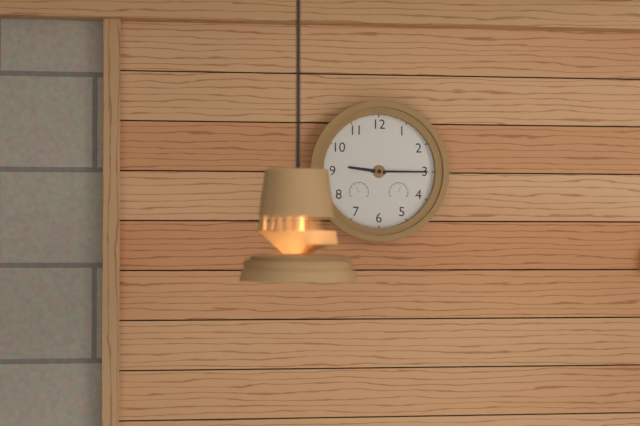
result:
9,15
